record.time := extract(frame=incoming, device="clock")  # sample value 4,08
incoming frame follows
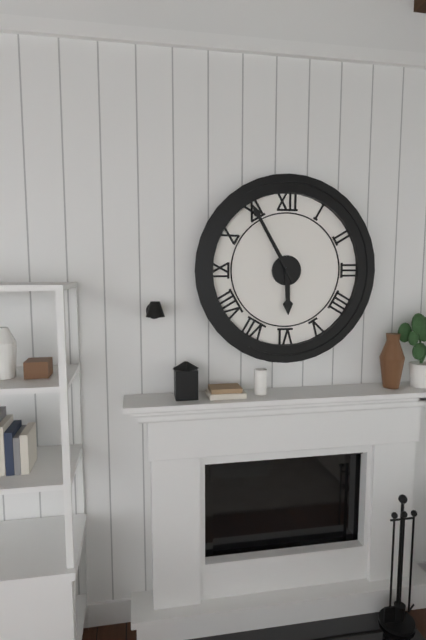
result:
5,55
